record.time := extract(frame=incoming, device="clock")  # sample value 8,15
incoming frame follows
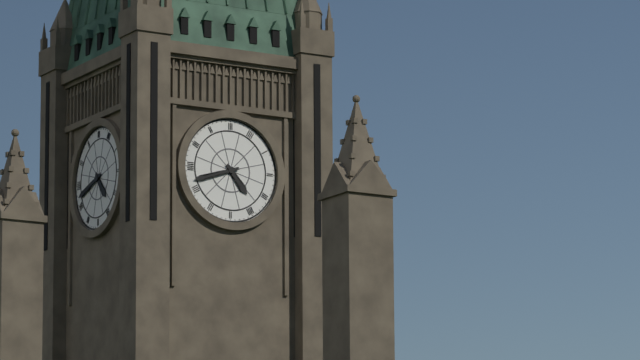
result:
4,42
